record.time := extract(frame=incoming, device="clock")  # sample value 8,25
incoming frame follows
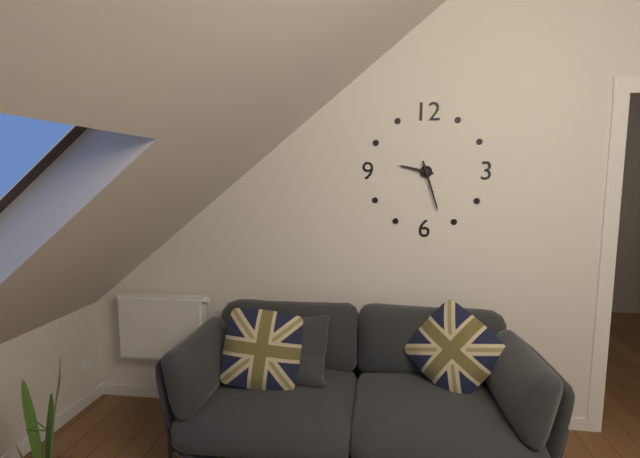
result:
9,27
